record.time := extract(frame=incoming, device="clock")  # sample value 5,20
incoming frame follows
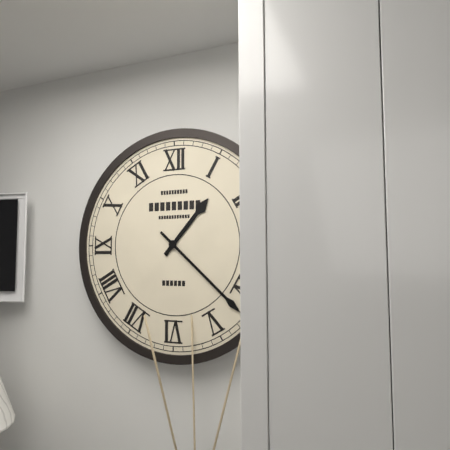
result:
1,22
